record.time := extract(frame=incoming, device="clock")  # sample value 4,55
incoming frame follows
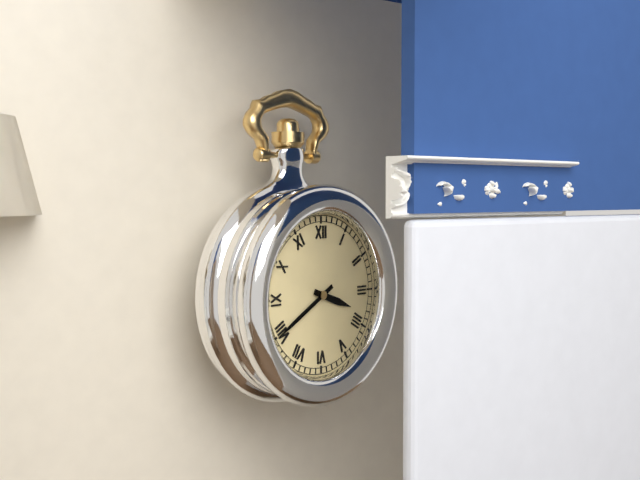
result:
3,40
